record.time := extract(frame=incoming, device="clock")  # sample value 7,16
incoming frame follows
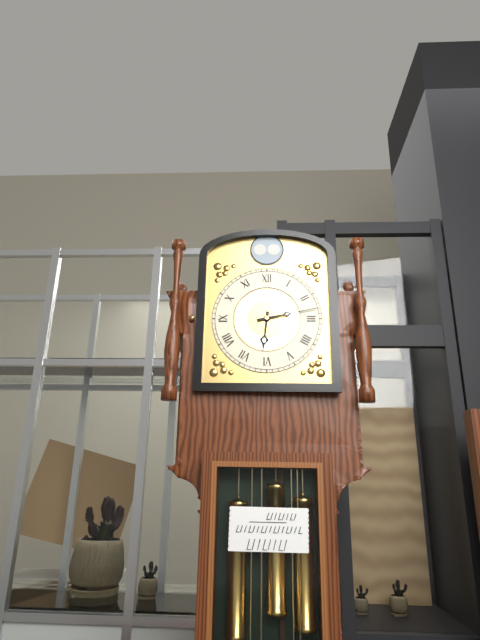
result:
6,13
